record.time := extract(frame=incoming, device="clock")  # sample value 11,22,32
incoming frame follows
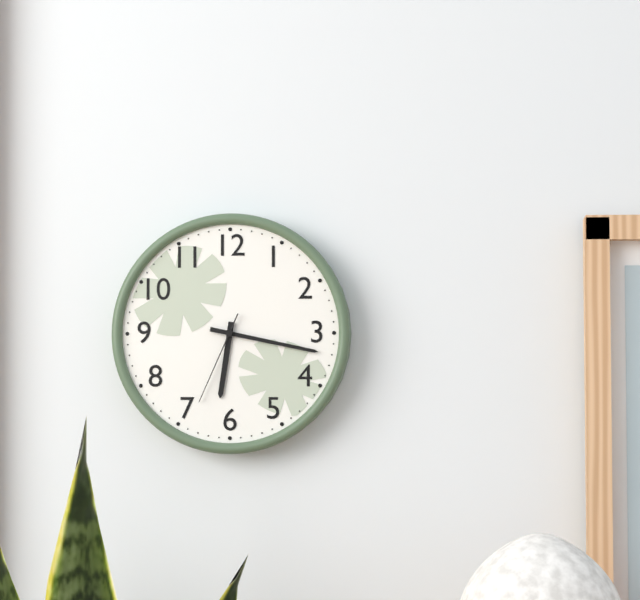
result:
6,17,34
